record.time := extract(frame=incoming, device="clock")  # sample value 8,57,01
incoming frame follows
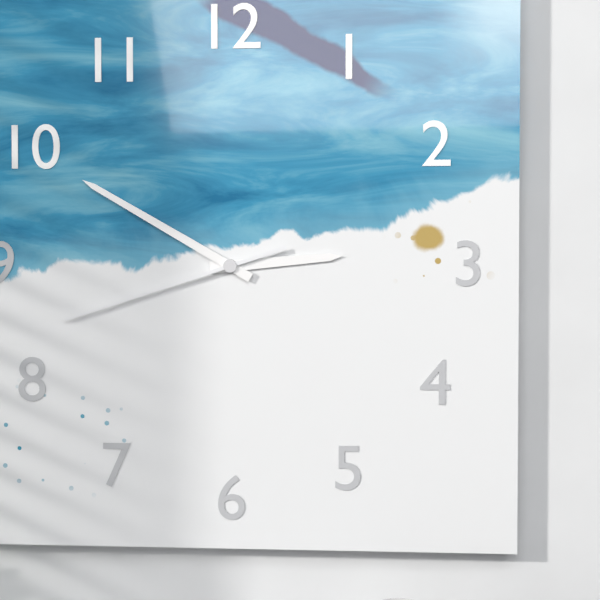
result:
2,50,42
